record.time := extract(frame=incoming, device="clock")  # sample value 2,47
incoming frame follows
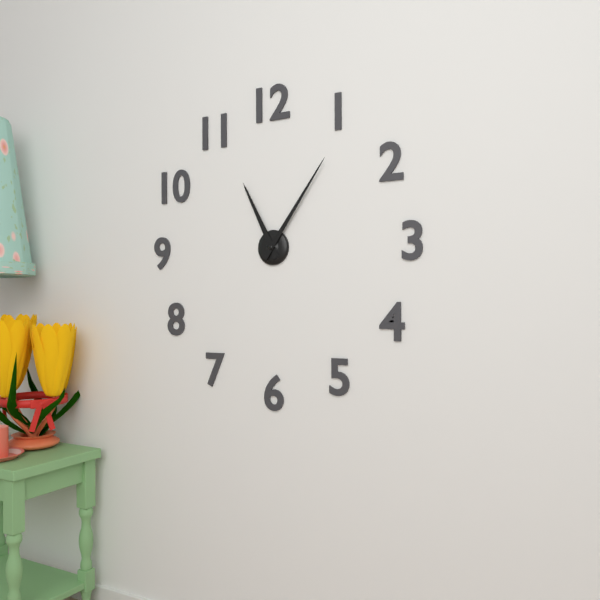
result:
11,06
